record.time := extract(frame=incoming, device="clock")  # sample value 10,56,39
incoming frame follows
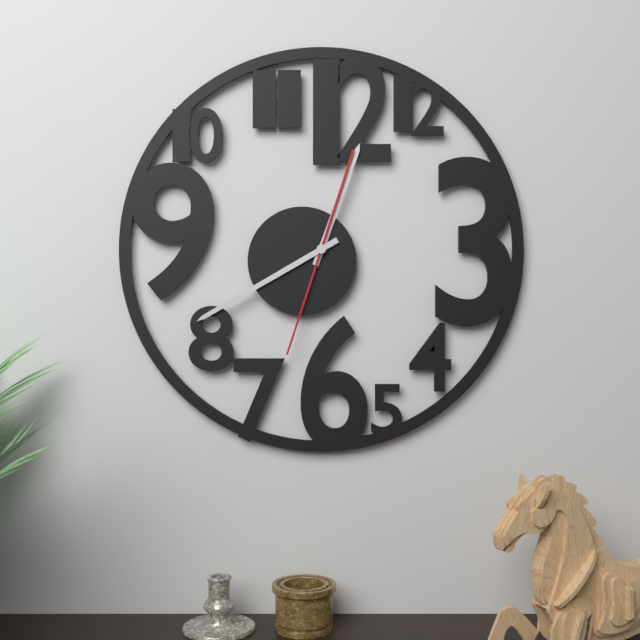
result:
12,40,33
